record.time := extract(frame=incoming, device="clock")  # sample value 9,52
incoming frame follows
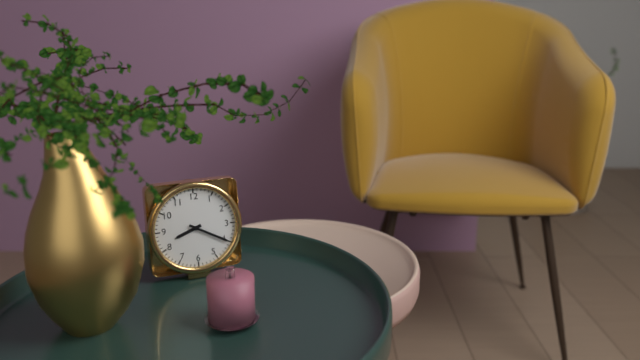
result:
8,20
